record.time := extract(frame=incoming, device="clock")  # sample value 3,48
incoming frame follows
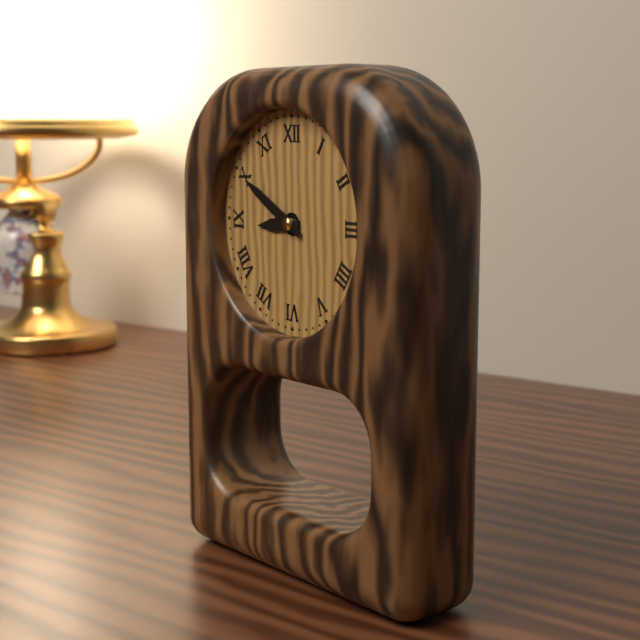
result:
8,50
